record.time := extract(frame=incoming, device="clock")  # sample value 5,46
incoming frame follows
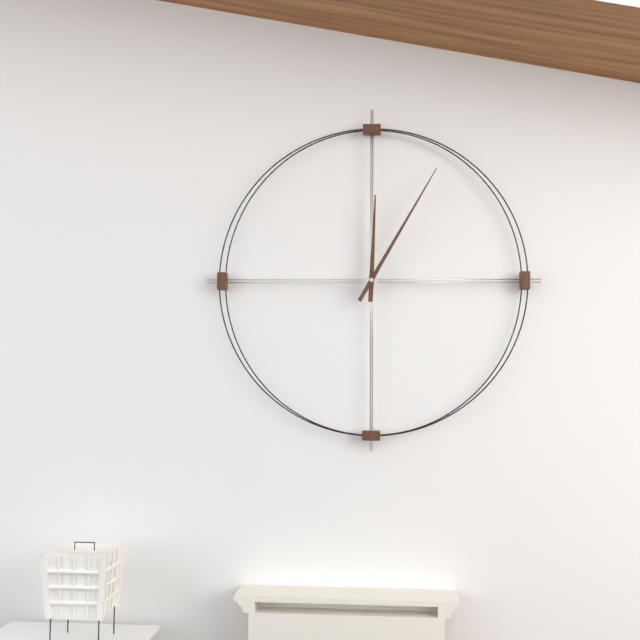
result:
12,05
